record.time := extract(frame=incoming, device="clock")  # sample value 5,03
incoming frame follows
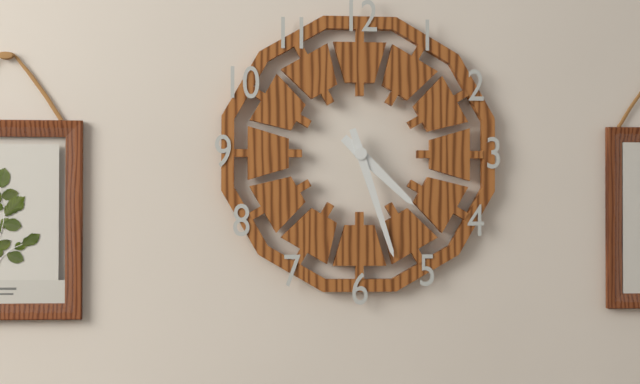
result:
4,27
